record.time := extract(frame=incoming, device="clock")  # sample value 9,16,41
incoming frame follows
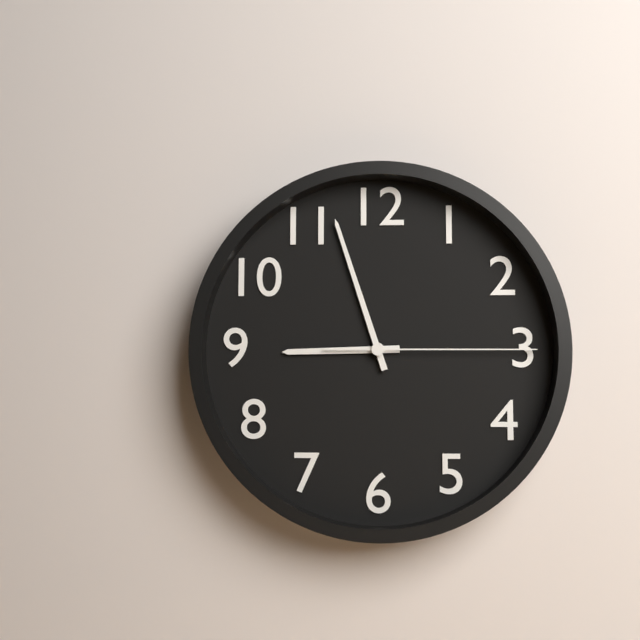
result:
8,57,15
